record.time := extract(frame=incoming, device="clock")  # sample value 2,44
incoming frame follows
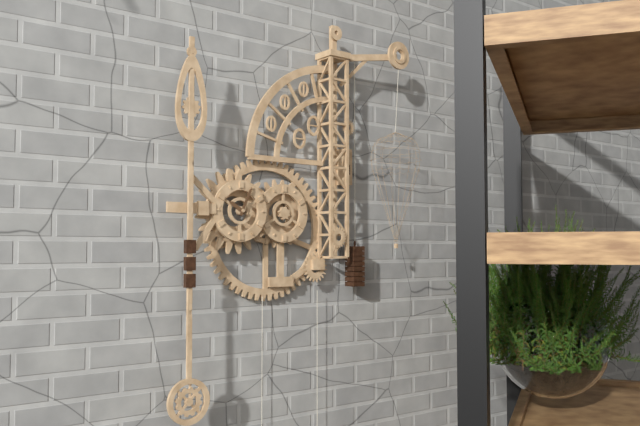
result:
10,04
